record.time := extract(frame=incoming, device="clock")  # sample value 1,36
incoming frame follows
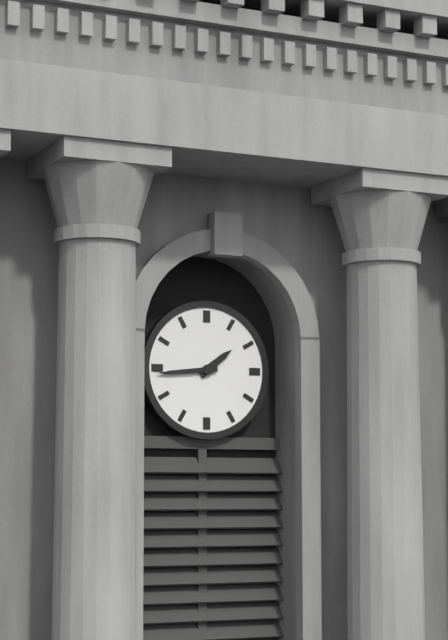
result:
1,44
